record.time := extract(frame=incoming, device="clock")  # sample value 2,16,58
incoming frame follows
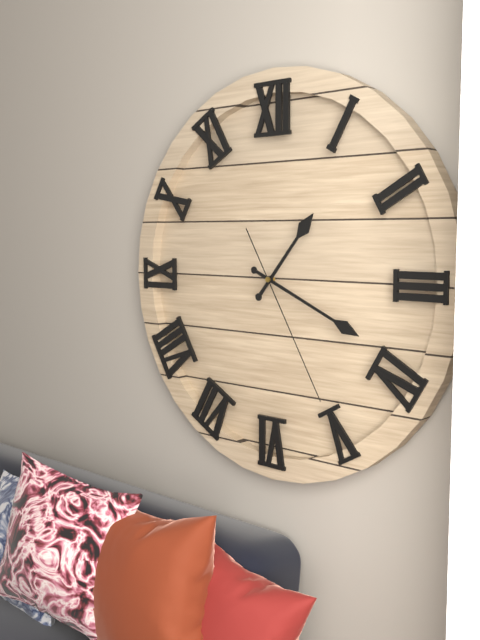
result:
1,19,25
